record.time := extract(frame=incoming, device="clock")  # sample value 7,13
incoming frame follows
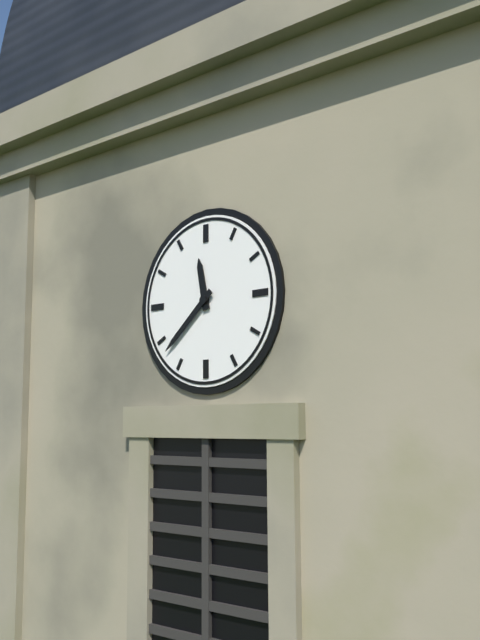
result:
11,38
